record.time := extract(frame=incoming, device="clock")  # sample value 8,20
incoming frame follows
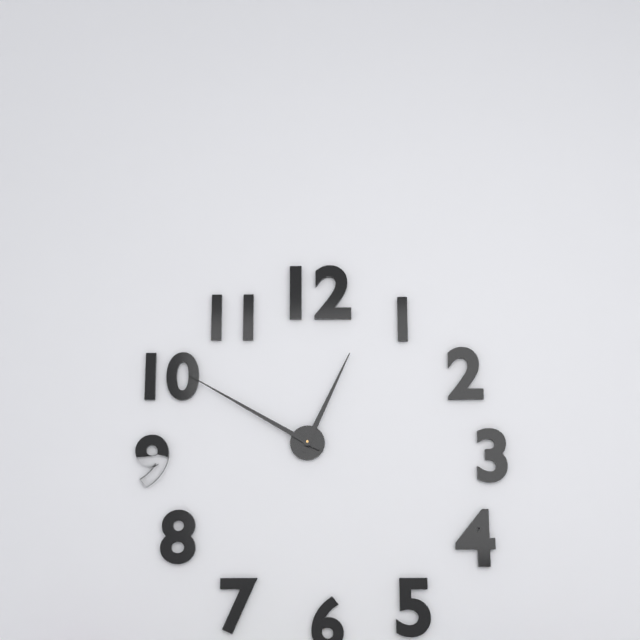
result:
12,50
